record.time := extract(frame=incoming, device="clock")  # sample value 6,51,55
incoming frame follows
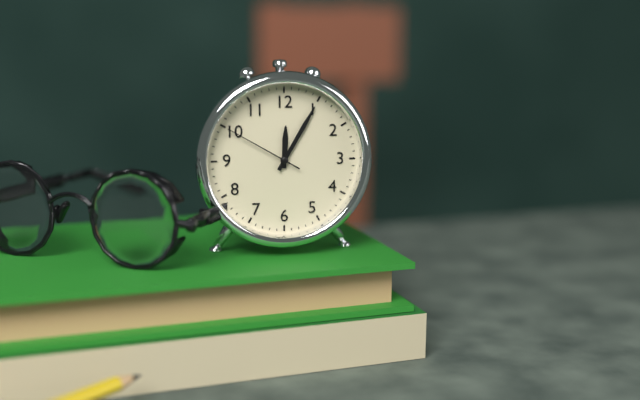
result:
12,05,50
